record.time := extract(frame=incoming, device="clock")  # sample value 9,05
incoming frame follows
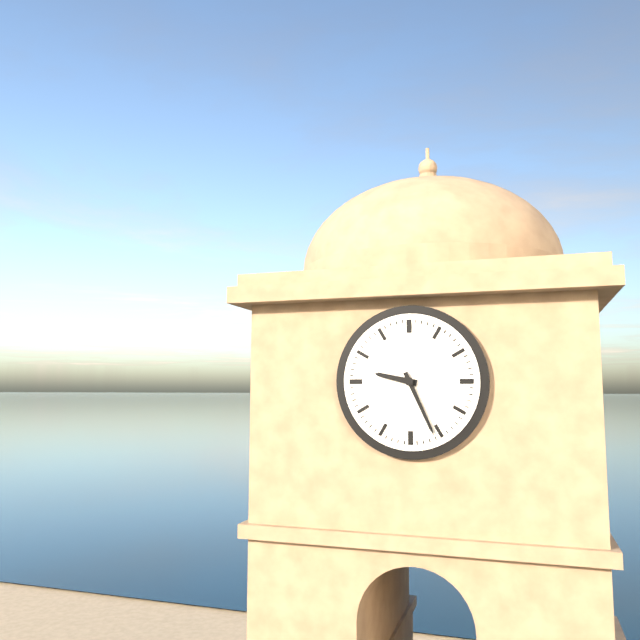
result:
9,26
